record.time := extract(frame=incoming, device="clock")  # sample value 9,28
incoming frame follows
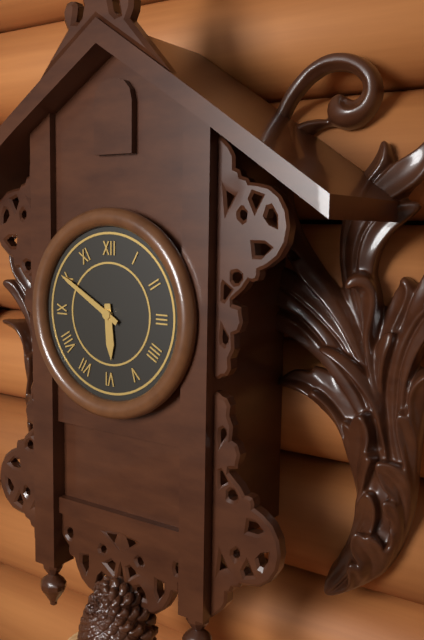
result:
5,50
